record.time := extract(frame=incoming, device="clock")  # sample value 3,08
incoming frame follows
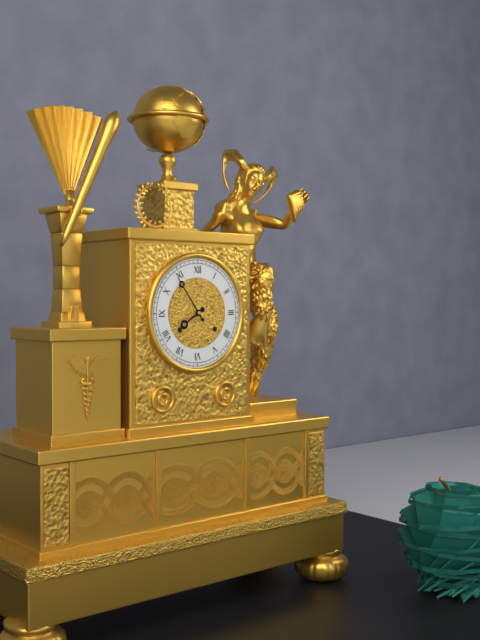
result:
7,54
